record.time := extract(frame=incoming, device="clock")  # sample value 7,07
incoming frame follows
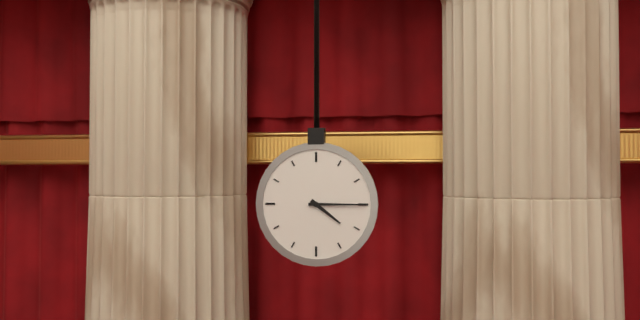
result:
4,15
